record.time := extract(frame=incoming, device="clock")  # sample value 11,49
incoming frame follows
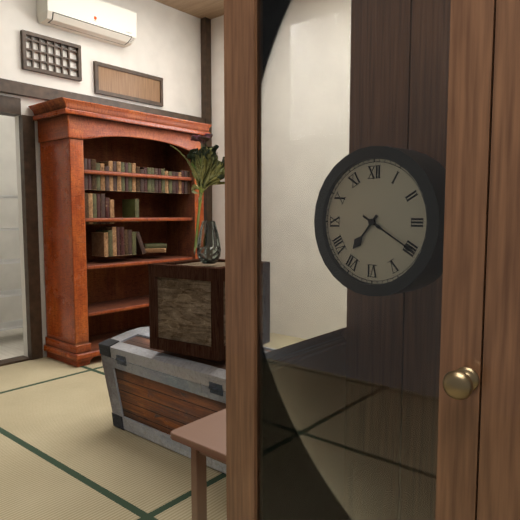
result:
7,20
